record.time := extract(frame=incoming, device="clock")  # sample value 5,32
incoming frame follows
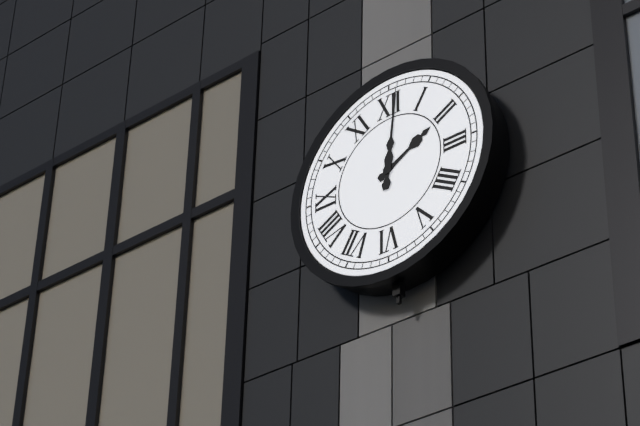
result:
2,01
